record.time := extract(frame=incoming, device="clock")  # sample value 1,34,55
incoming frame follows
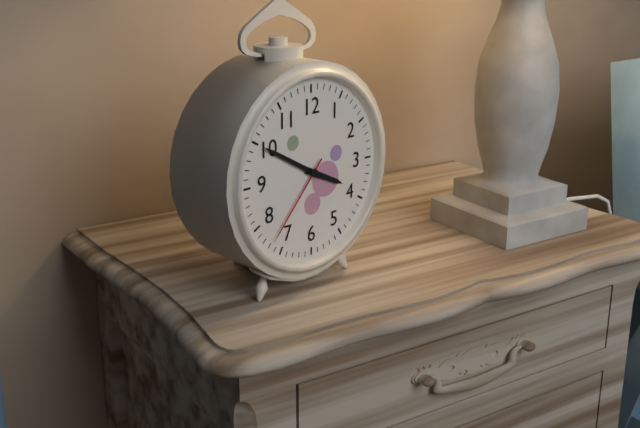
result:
3,50,37
